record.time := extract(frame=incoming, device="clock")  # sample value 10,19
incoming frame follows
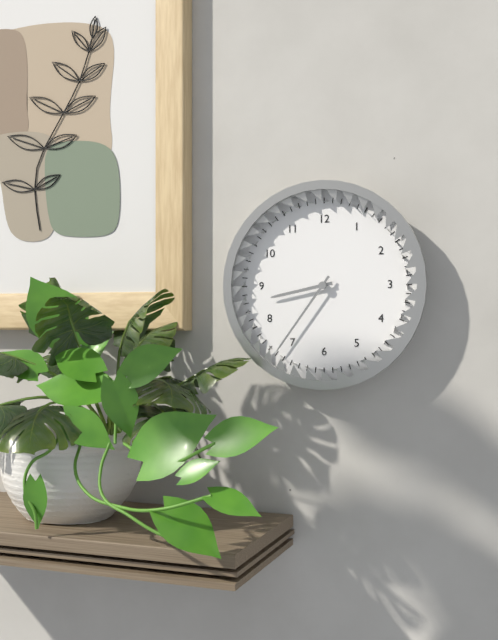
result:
8,36
